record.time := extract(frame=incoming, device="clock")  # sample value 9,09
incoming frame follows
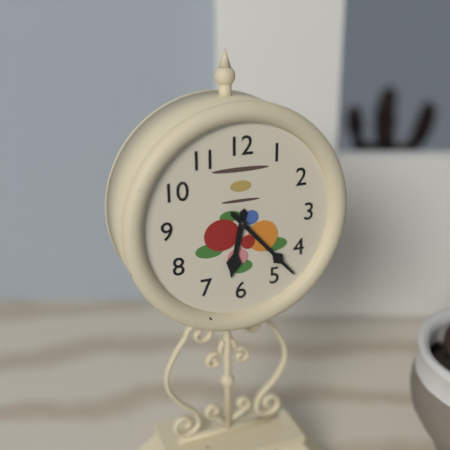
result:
6,23
